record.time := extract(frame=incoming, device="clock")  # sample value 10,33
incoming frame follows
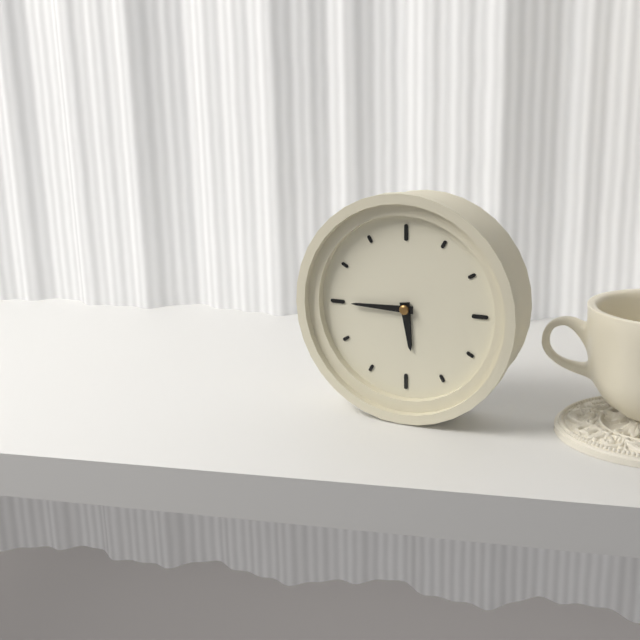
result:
5,45
